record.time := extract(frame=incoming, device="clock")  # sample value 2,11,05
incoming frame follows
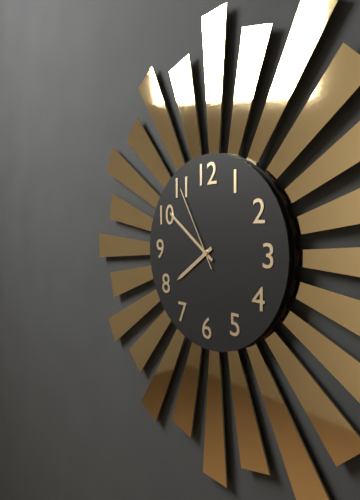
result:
7,51,55
